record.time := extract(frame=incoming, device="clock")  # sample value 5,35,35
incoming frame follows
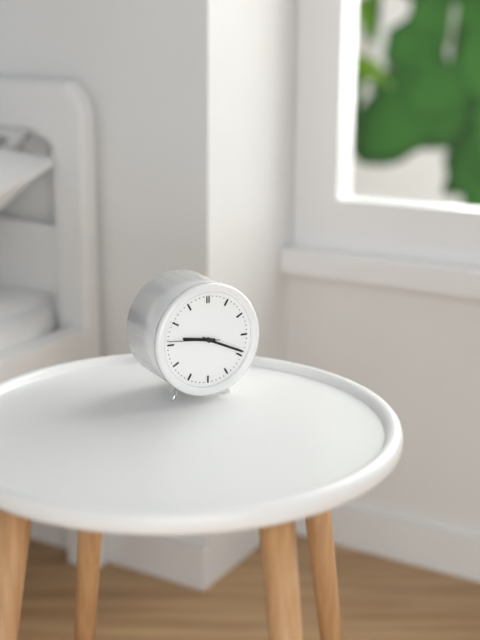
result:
9,19,46
